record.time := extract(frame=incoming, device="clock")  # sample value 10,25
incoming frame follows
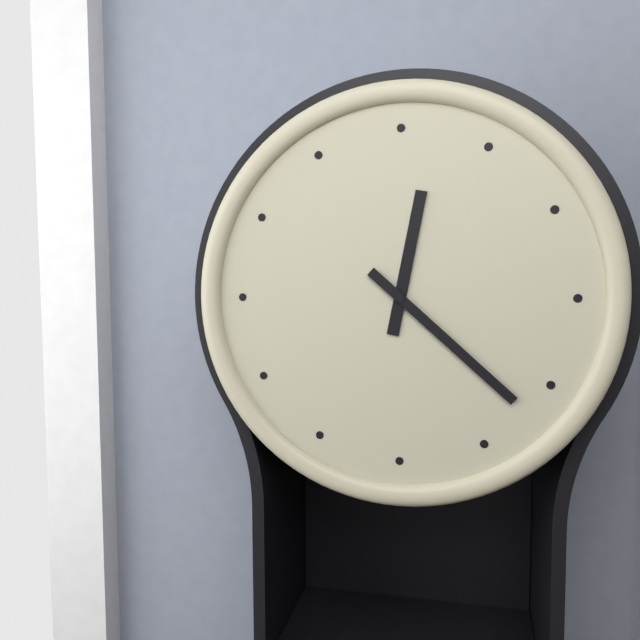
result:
12,22
